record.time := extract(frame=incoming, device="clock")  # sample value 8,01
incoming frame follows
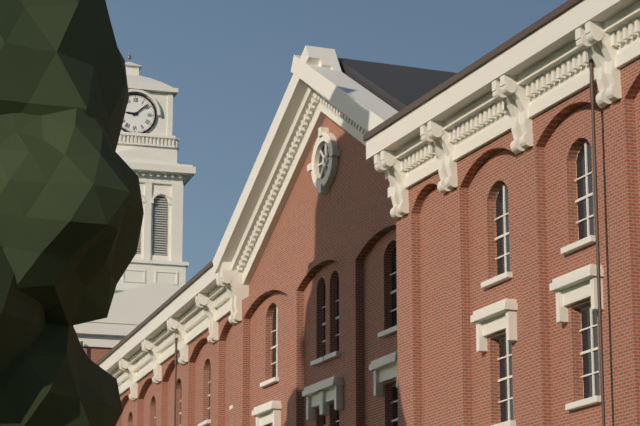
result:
9,08
